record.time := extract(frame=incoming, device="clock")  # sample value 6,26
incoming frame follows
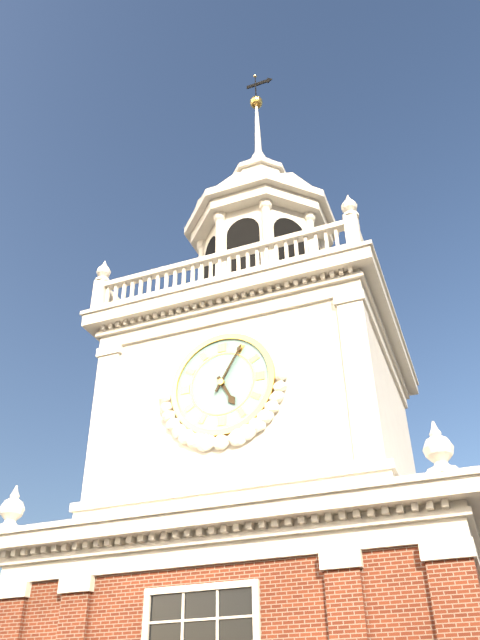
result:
5,05
